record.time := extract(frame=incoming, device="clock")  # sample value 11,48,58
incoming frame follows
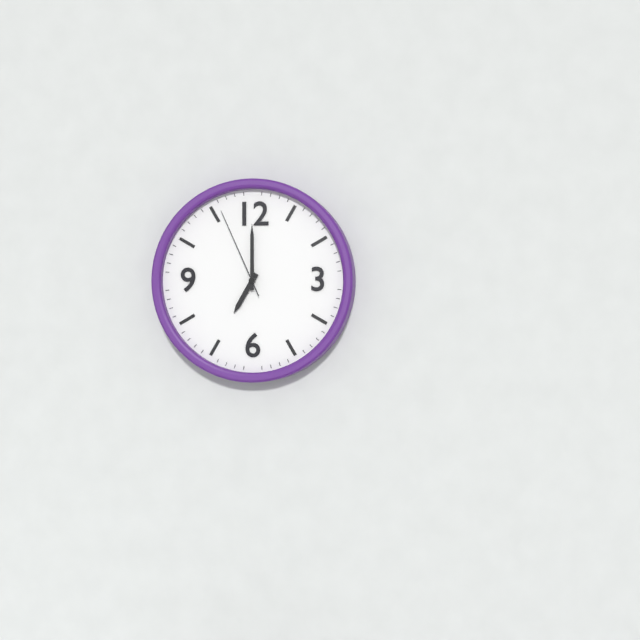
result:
7,00,56
